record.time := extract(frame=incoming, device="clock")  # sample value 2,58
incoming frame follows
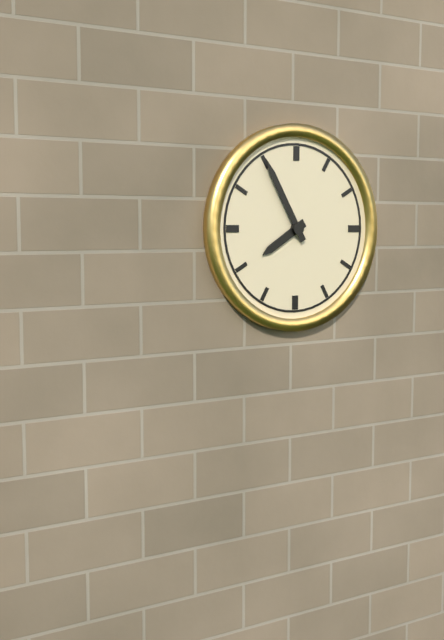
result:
7,55
